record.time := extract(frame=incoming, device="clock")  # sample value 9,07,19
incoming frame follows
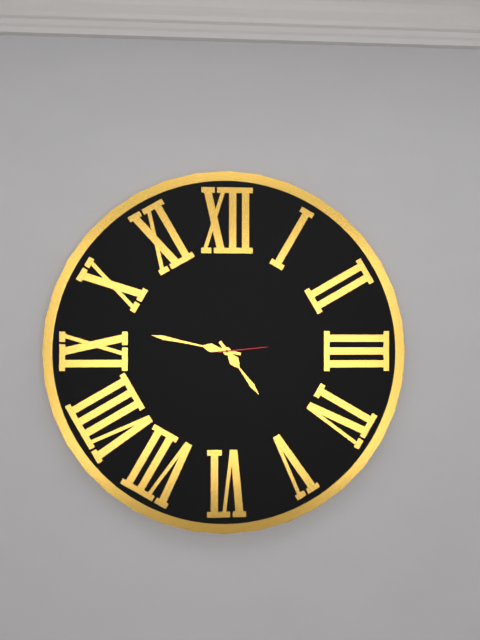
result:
4,47,14
